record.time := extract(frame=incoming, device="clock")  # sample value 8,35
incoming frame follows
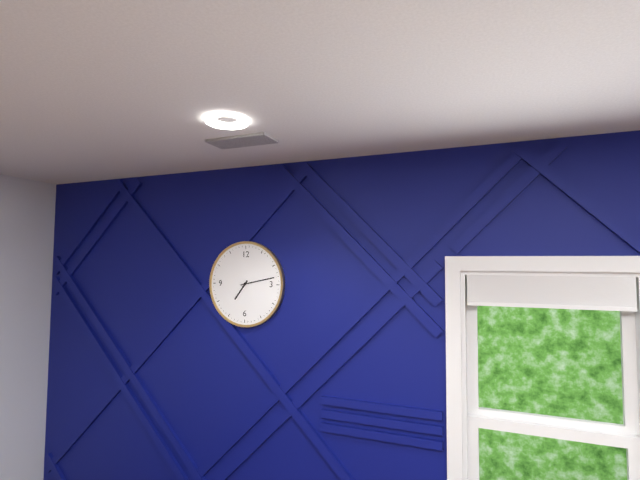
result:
7,13
